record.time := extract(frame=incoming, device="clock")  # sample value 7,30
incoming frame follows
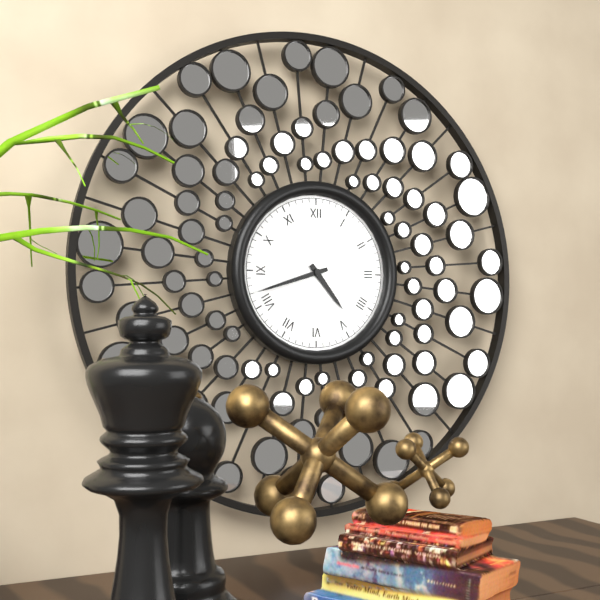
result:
4,42
